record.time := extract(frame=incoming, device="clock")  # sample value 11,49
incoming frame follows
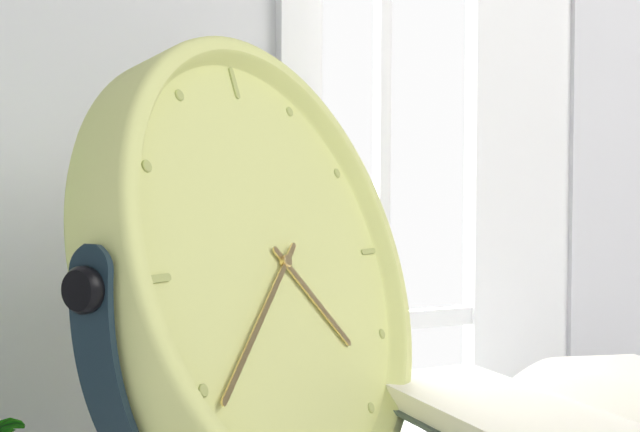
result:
4,39
